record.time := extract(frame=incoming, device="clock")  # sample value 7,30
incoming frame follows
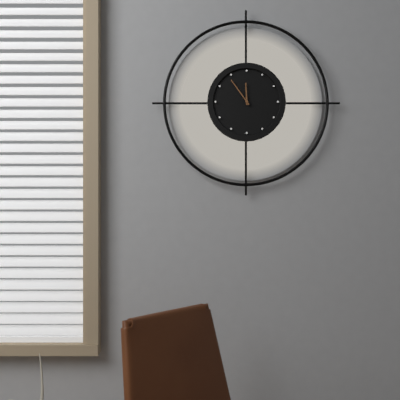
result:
11,54
